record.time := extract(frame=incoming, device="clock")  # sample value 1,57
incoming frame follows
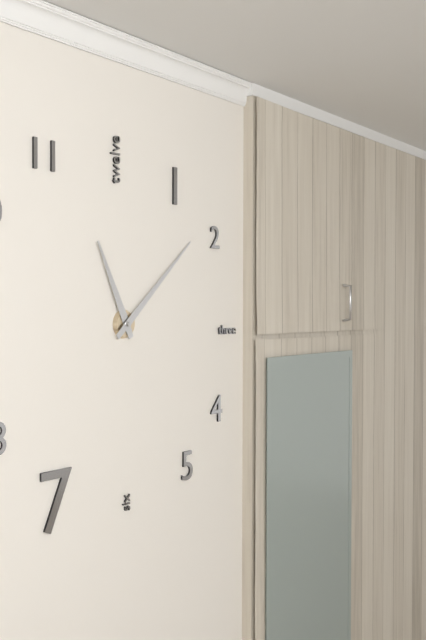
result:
11,08
